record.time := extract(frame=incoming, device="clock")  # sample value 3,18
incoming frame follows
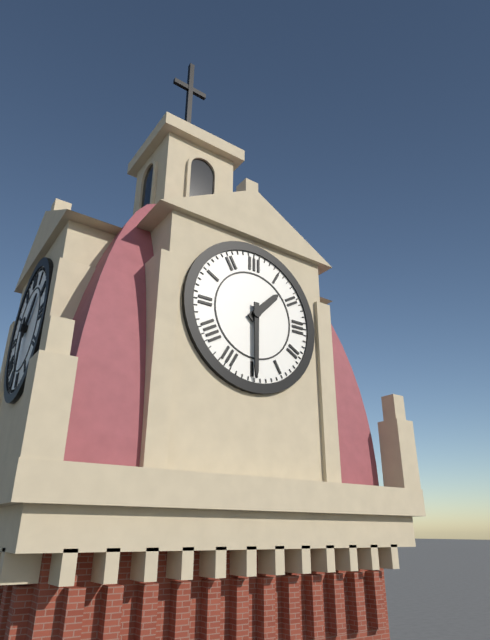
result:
1,30
